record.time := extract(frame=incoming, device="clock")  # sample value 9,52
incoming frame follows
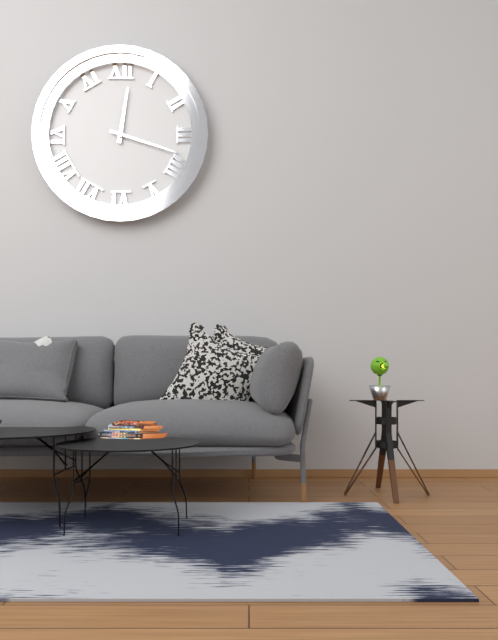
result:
12,18
